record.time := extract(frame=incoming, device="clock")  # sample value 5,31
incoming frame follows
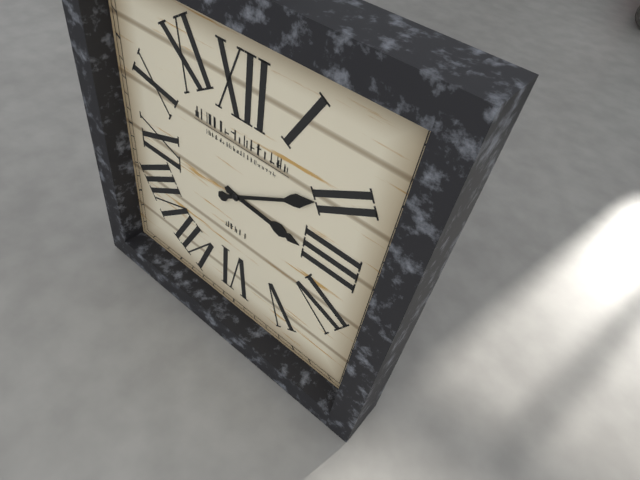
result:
3,10
